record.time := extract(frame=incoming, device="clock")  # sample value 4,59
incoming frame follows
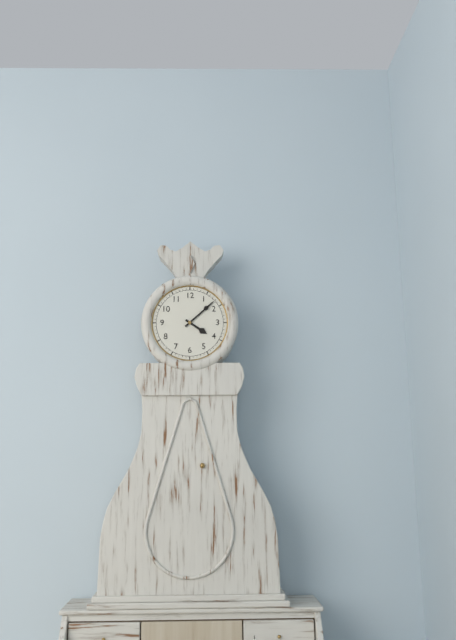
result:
4,08
